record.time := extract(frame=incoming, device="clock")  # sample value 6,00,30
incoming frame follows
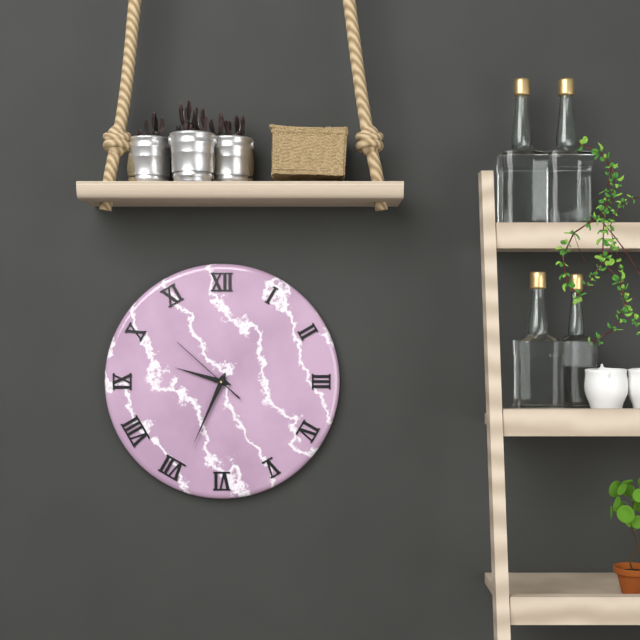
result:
9,34,52
